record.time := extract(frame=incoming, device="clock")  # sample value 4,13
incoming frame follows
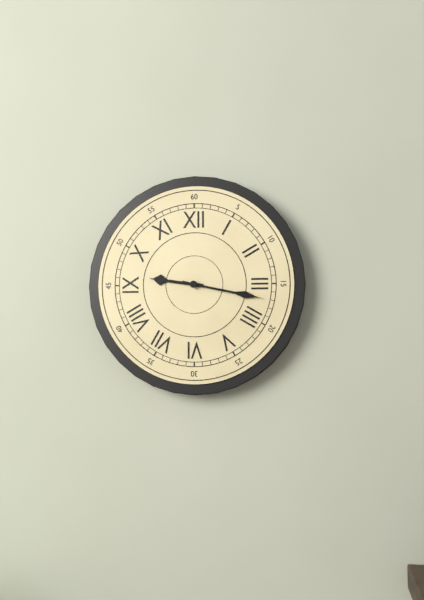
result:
9,17
